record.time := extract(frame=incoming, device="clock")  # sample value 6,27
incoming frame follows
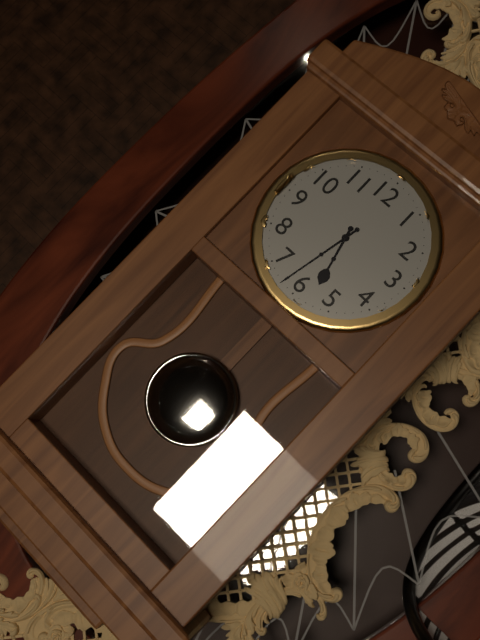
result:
5,32
